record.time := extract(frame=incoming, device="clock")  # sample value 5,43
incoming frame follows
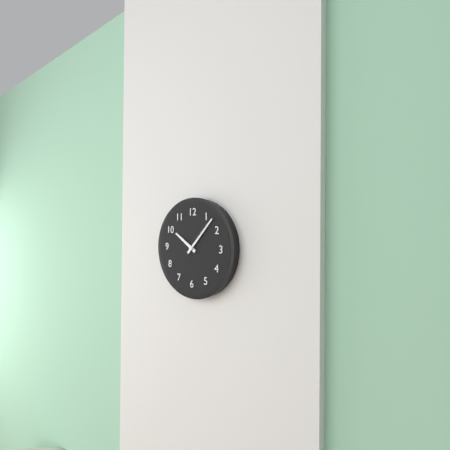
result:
10,07
